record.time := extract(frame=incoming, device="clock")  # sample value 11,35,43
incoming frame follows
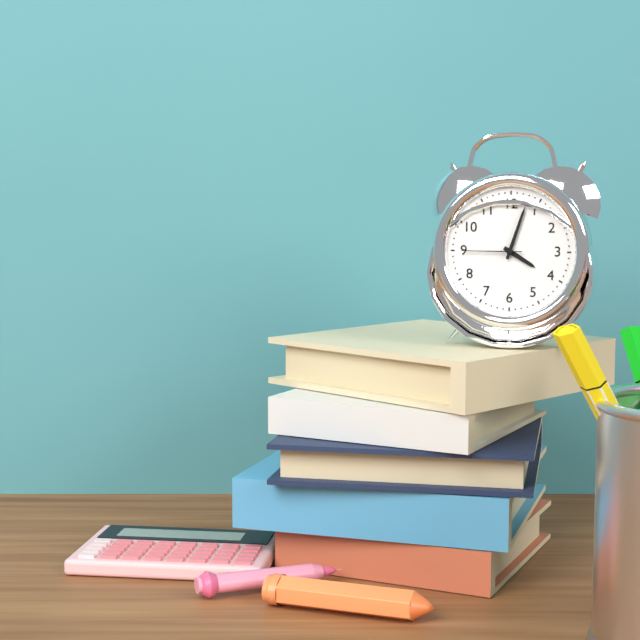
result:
4,03,45
